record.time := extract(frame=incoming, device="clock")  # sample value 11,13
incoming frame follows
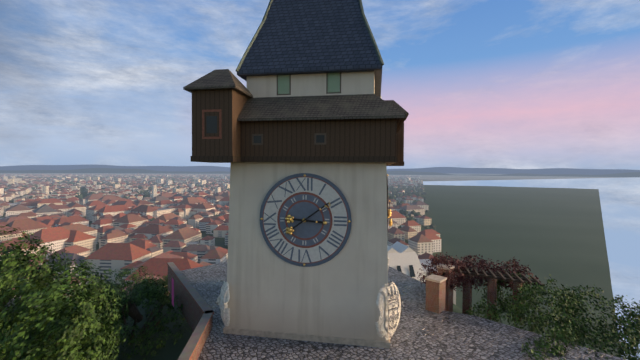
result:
3,09
